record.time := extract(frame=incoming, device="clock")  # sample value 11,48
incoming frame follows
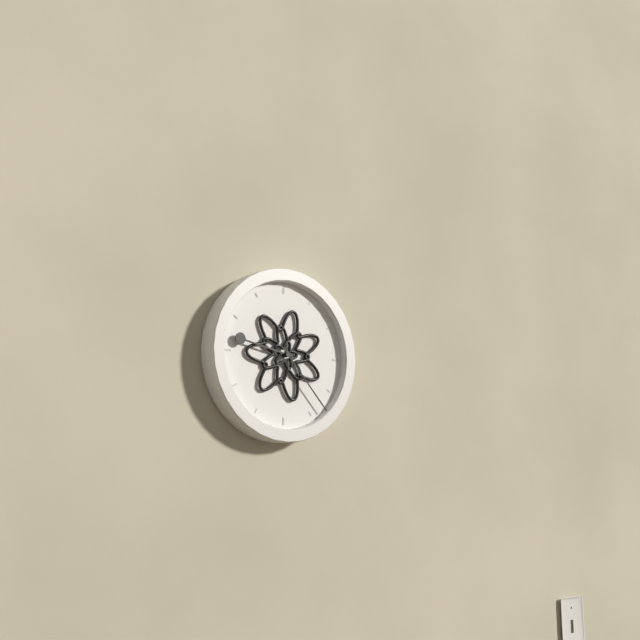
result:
9,23
